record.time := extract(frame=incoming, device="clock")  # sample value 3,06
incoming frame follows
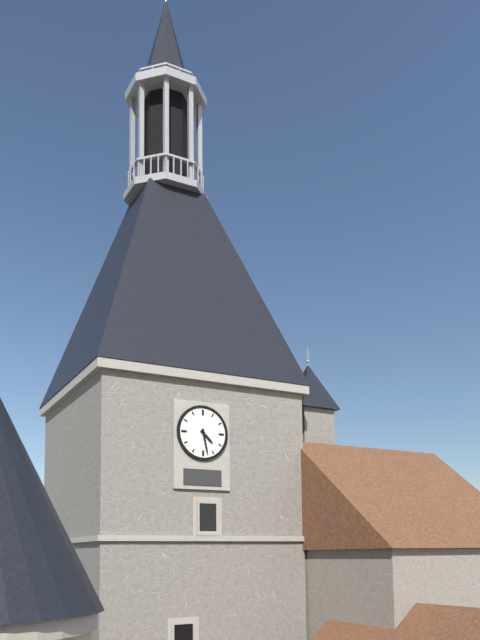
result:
4,28
